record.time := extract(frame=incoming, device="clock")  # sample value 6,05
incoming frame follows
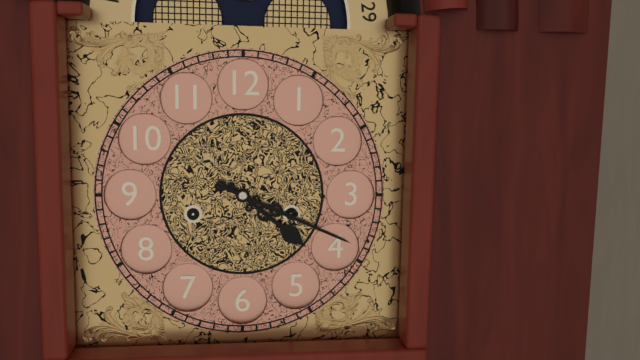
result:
4,19
